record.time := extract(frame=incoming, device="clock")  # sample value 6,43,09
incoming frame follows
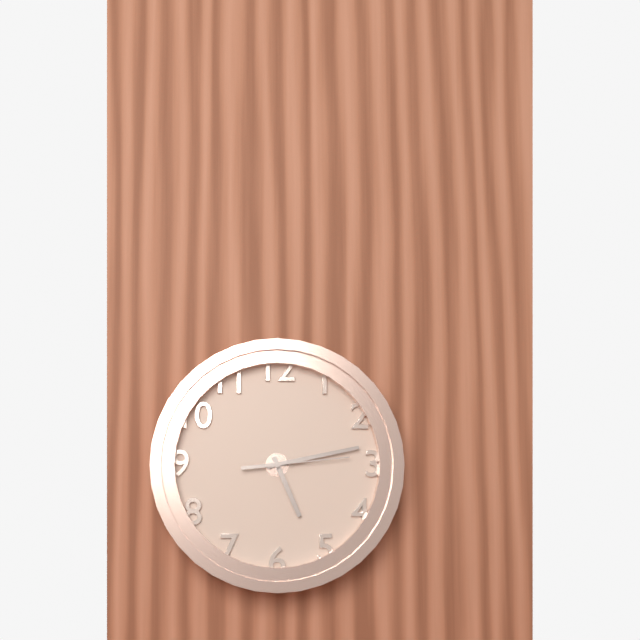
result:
5,13,14
